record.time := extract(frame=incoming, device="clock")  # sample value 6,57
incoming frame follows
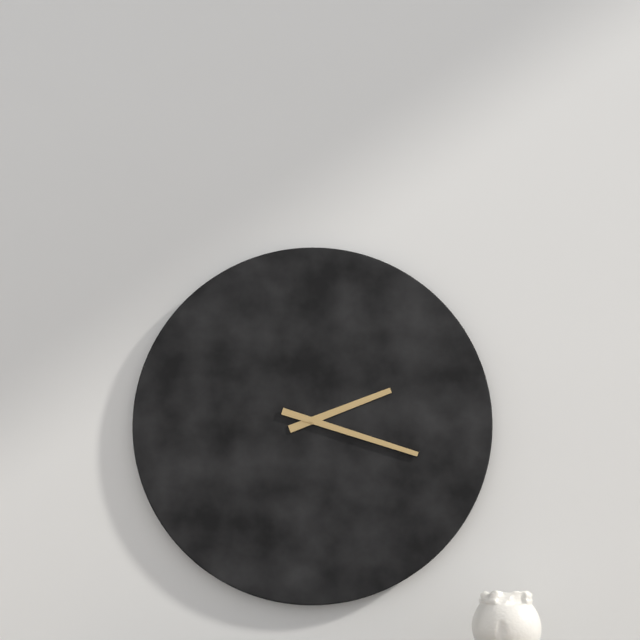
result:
2,18
